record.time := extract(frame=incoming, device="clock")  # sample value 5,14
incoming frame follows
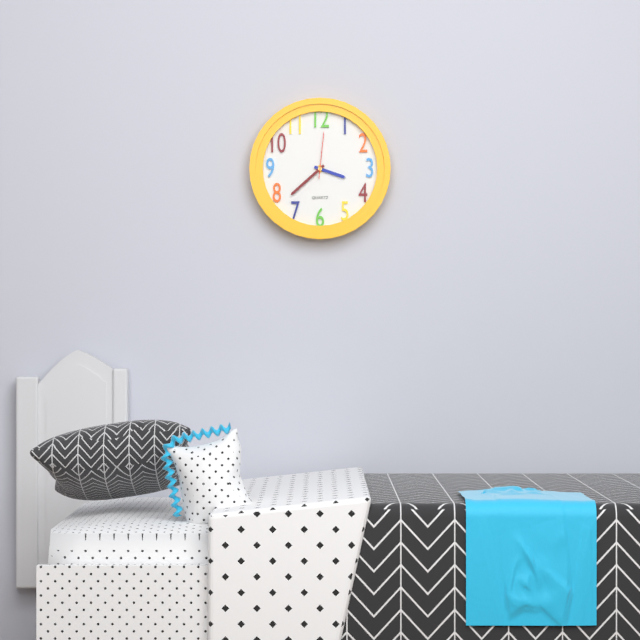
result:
3,38
